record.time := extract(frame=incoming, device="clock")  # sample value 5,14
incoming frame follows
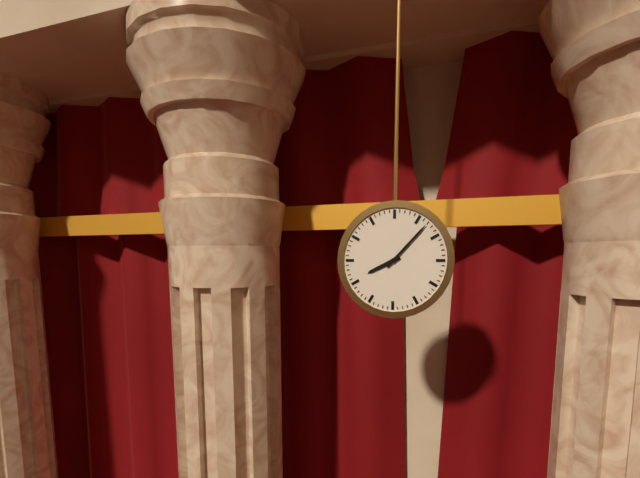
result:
8,07
